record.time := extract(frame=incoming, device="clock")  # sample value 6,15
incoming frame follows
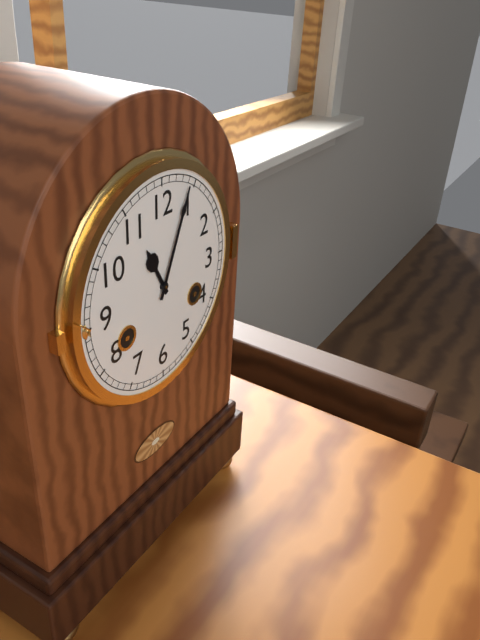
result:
11,04
